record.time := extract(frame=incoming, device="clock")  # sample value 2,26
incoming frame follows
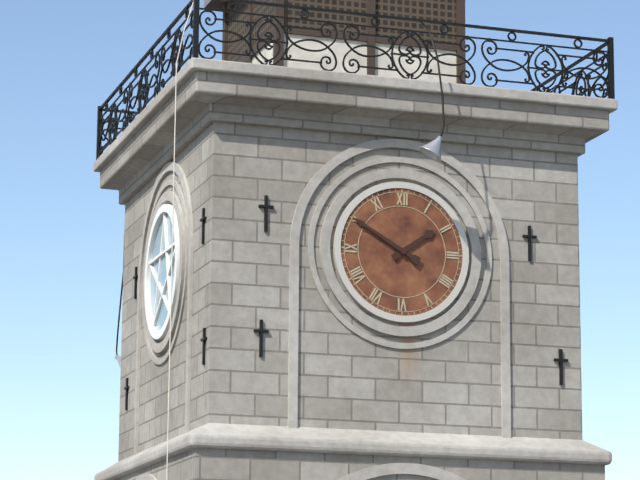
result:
1,50
